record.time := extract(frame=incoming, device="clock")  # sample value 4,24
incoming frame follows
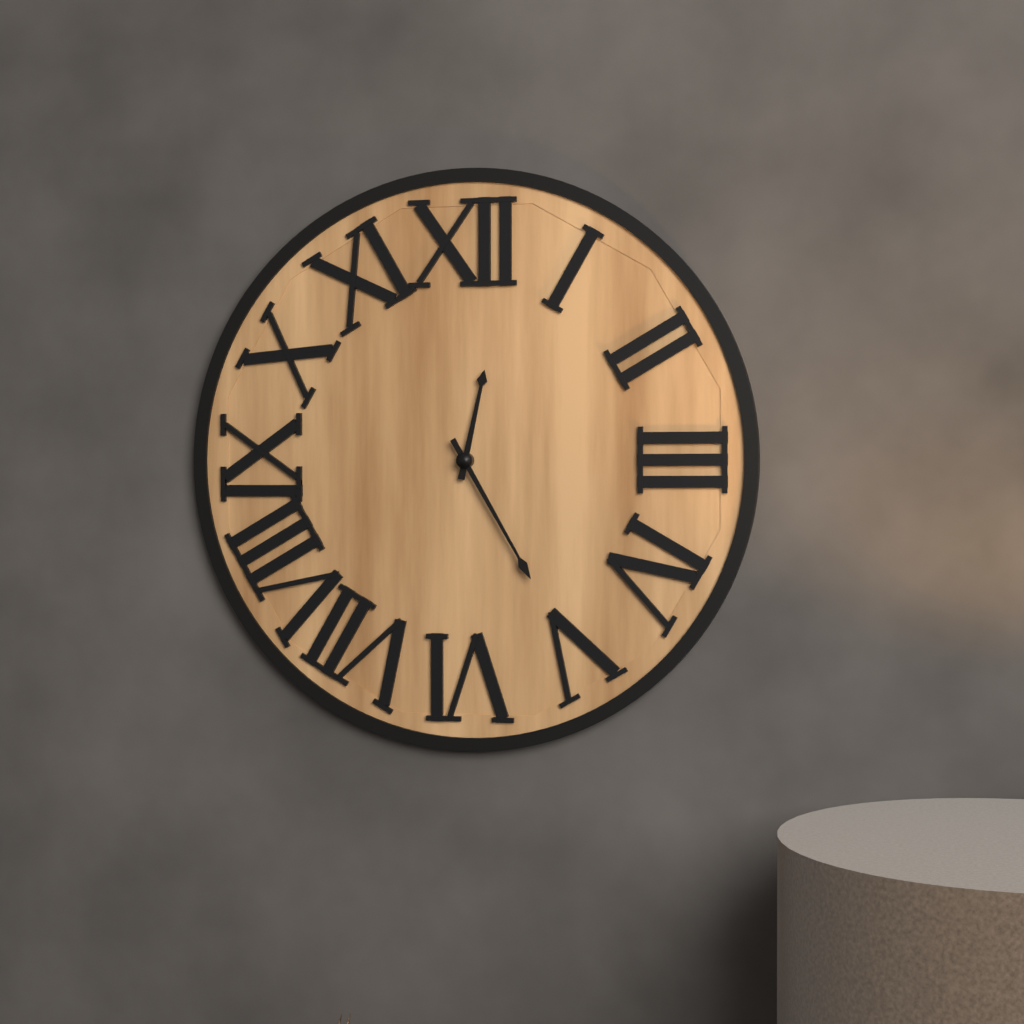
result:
12,25
